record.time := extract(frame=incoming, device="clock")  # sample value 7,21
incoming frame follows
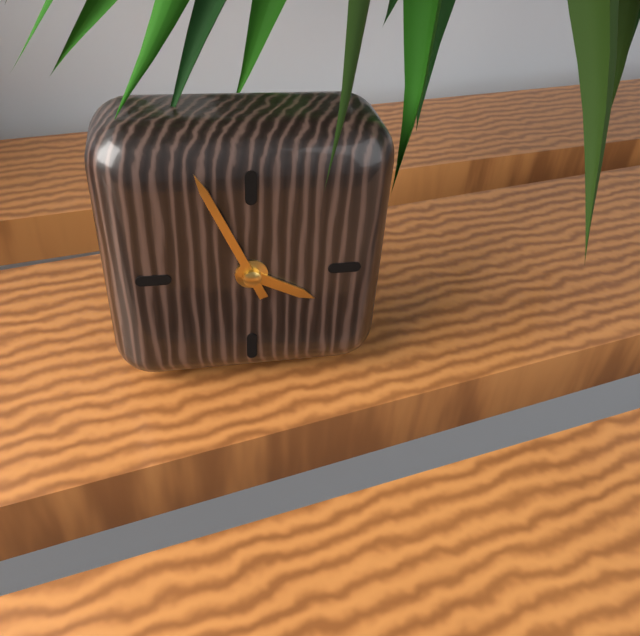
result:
3,56
